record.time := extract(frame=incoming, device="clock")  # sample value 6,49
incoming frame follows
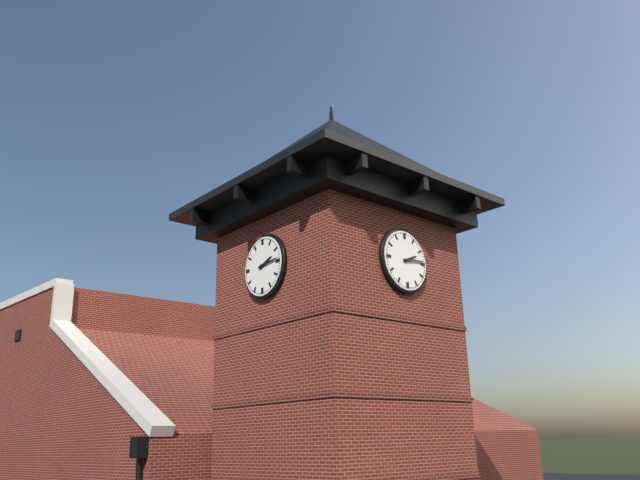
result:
2,14
